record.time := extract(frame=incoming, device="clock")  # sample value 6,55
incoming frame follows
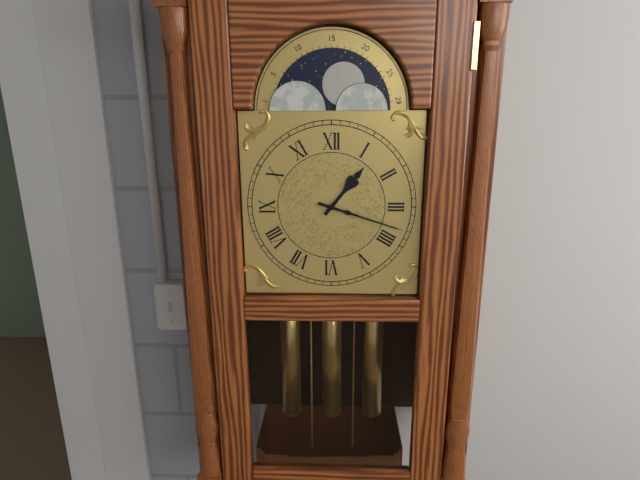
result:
1,18
